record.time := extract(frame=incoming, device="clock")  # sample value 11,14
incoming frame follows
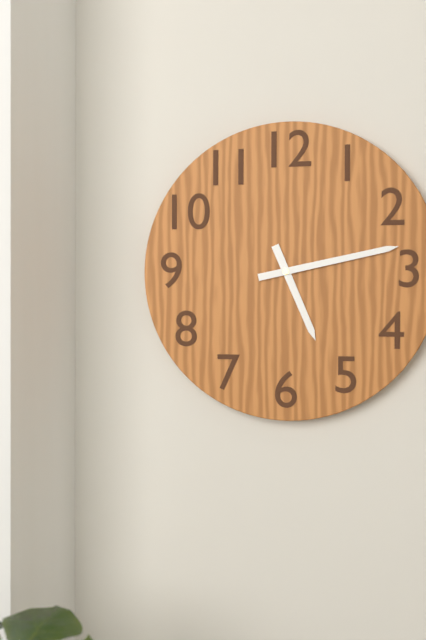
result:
5,13
